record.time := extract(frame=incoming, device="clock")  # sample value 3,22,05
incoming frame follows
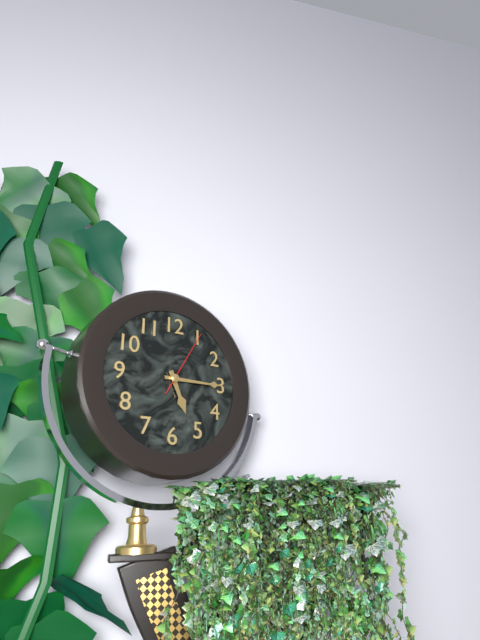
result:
5,15,05
